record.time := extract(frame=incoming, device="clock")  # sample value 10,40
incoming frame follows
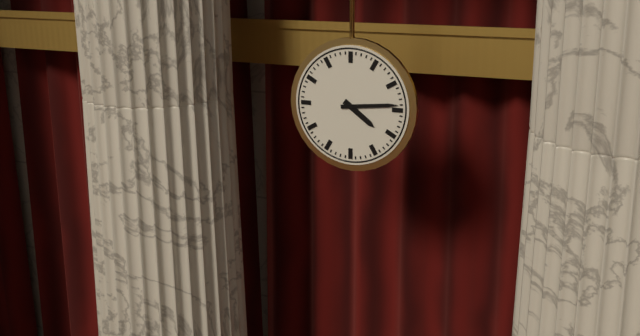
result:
4,14
